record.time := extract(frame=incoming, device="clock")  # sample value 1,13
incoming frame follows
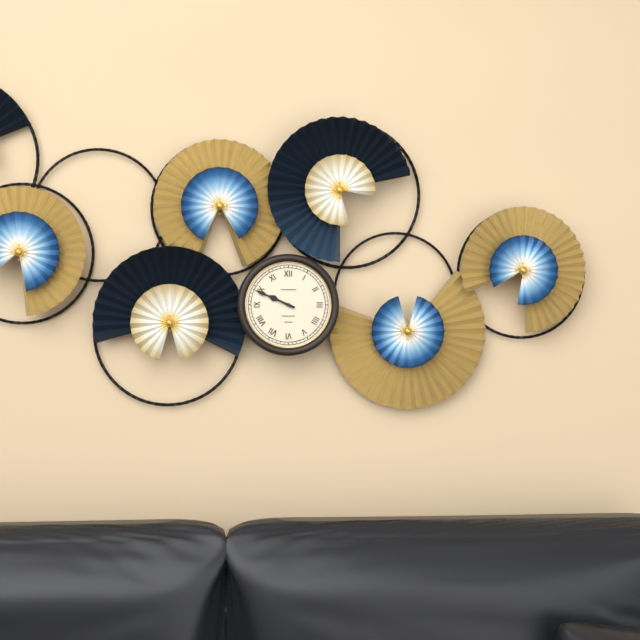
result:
9,49
